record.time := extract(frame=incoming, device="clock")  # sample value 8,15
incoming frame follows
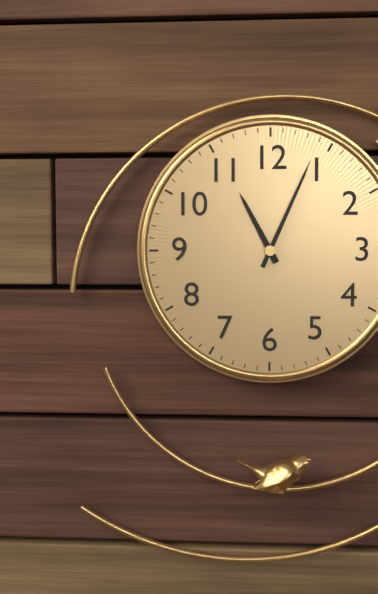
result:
11,04
